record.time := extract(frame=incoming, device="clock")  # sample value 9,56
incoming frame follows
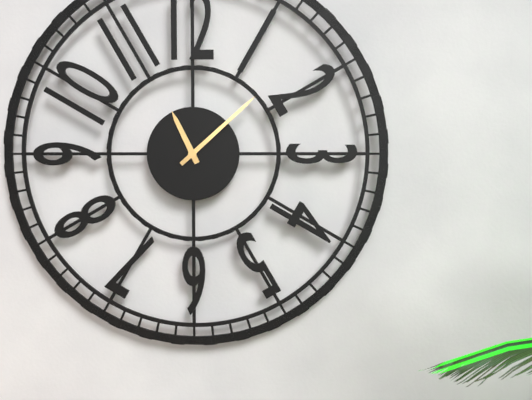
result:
11,08
